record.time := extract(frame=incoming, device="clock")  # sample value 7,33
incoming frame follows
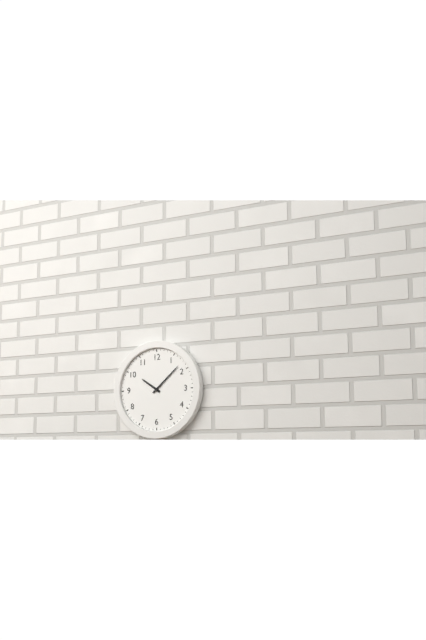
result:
10,08
